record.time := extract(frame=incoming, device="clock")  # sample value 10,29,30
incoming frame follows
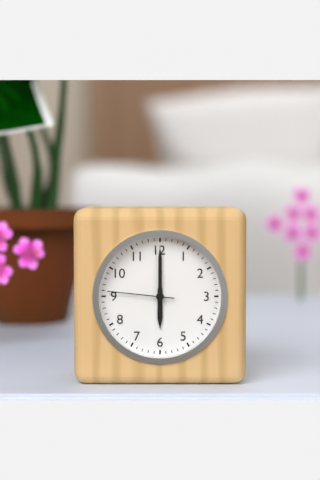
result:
6,00,46
